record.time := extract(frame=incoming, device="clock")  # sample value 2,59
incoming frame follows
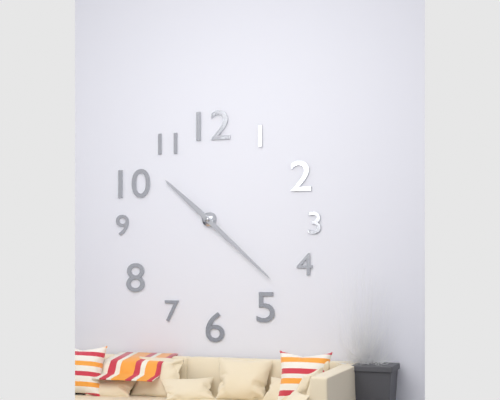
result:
10,22
